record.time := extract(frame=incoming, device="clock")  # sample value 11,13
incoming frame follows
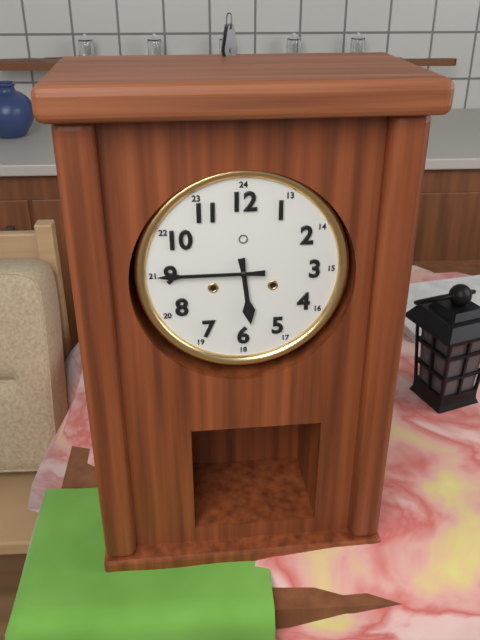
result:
5,45
